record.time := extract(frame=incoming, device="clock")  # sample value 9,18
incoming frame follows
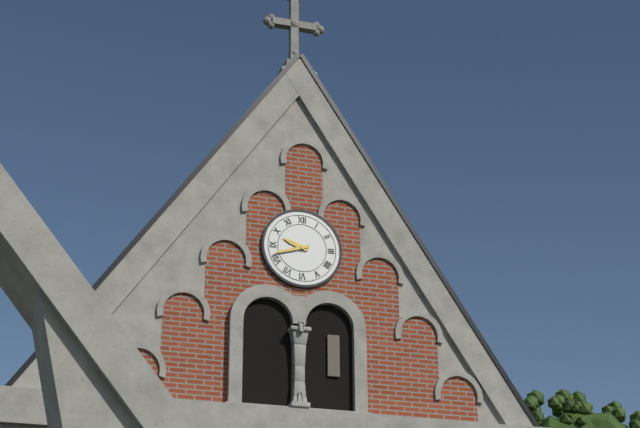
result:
9,42
